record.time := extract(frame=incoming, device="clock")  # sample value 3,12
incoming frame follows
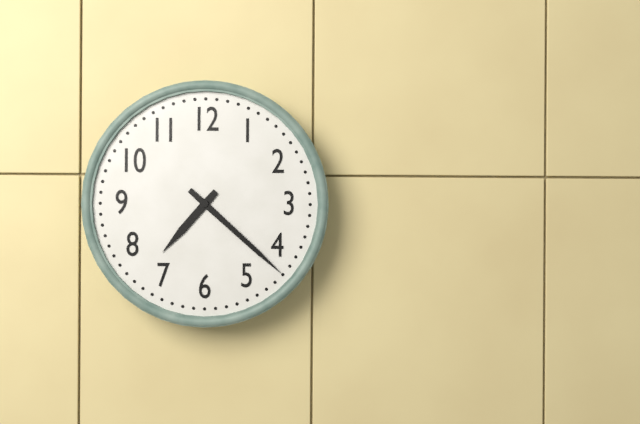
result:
7,22
